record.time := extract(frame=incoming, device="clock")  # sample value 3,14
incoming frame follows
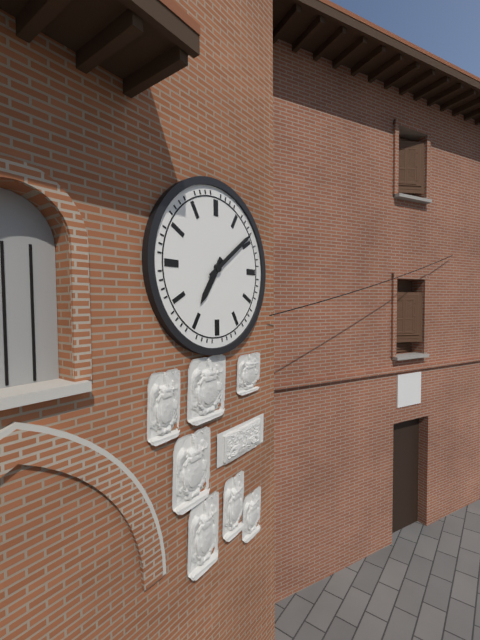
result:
7,09
